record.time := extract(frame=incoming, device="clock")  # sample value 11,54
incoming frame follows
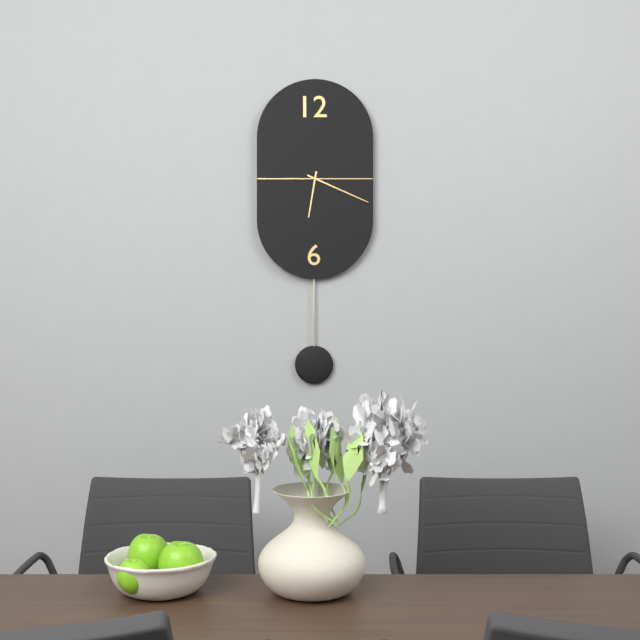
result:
6,19
